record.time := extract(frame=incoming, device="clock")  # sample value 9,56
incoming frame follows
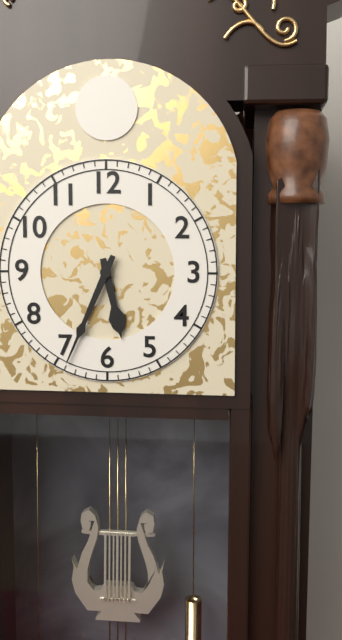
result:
5,34
